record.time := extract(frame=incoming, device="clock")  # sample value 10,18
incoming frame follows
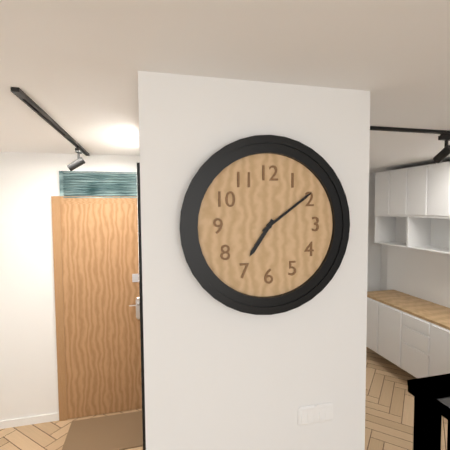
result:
7,09
